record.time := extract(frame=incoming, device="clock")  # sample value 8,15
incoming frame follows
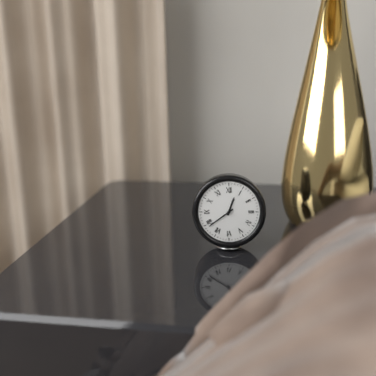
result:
12,39
